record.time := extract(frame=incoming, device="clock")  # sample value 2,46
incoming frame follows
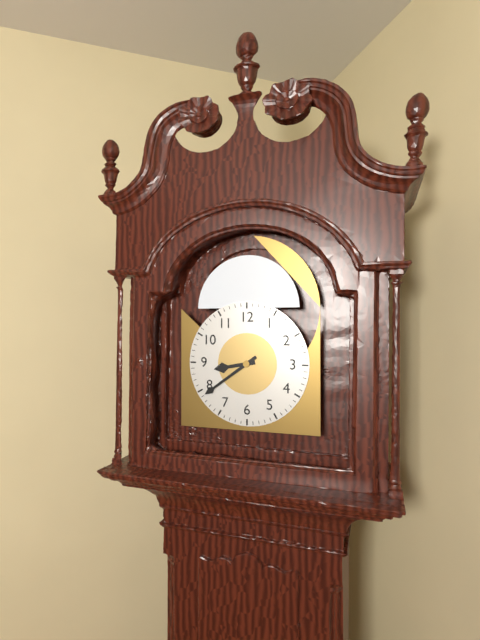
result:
8,39
